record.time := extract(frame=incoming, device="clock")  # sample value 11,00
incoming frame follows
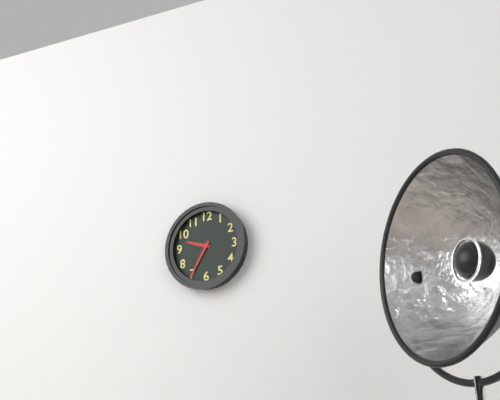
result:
9,35
